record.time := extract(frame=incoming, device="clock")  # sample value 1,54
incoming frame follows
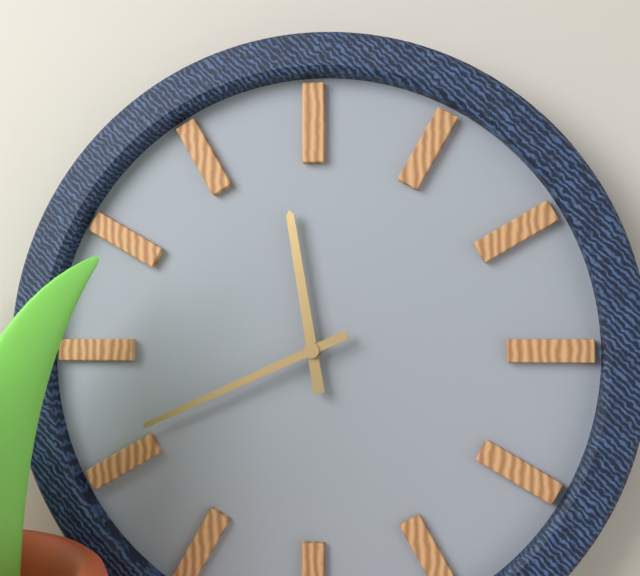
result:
11,41
